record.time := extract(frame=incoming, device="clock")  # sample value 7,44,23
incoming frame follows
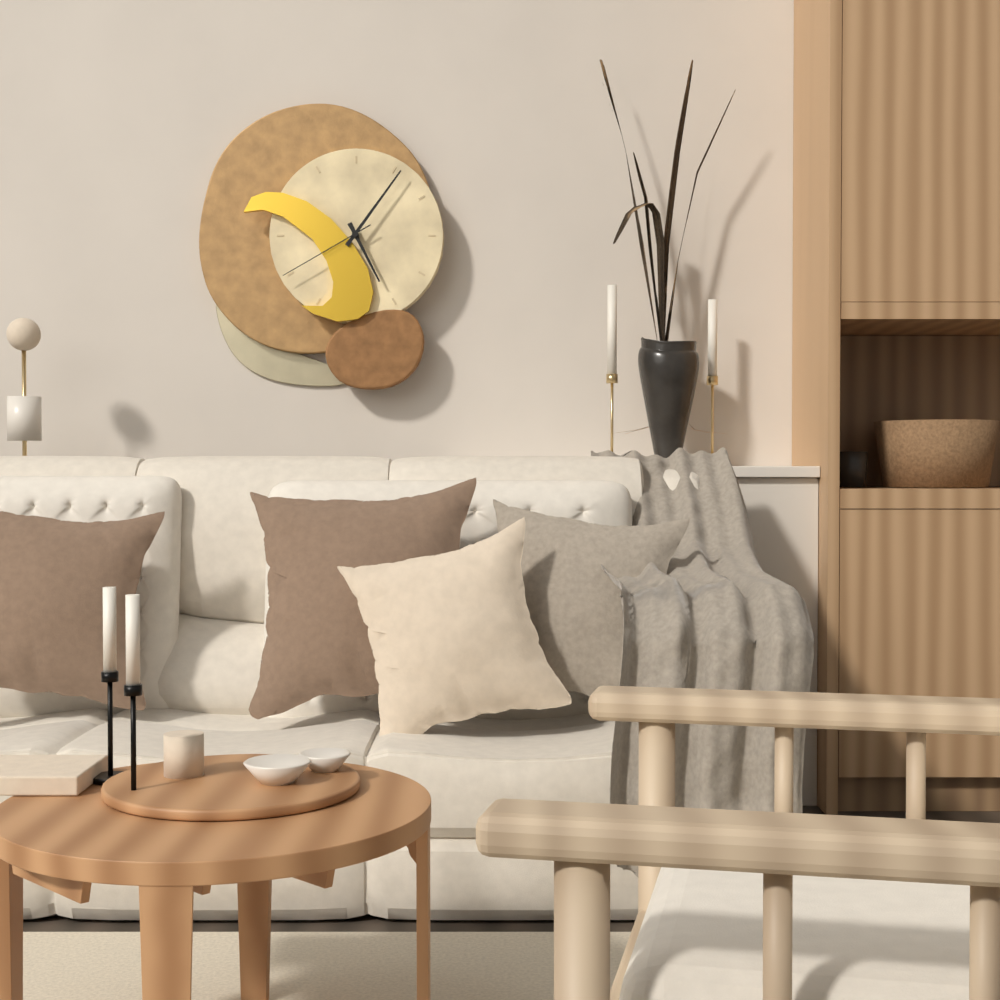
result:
5,06,40
